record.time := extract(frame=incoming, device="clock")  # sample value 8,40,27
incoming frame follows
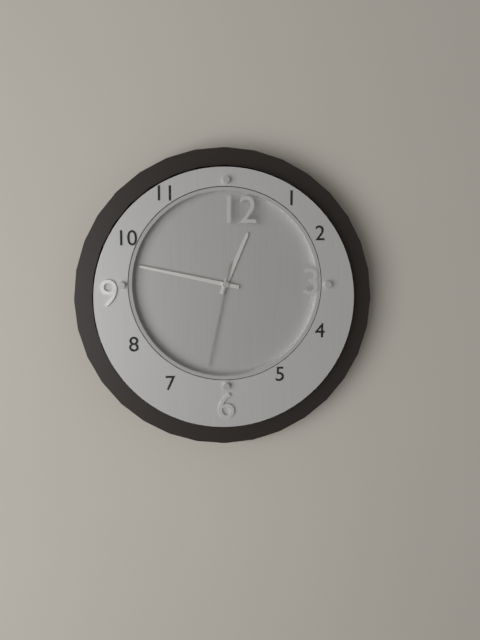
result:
12,47,32
